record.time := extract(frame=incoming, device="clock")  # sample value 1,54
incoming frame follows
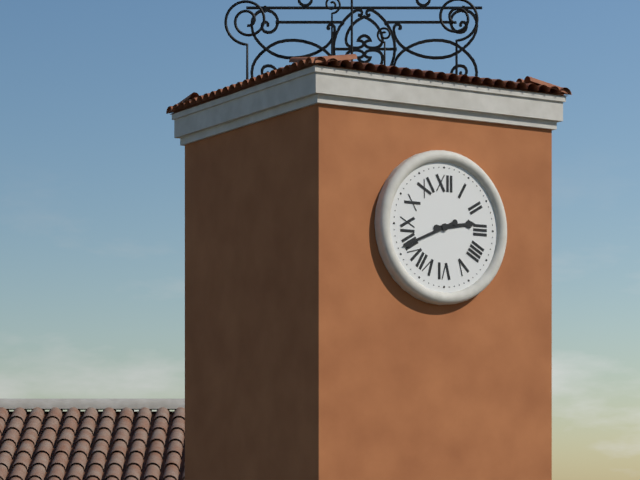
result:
2,41
